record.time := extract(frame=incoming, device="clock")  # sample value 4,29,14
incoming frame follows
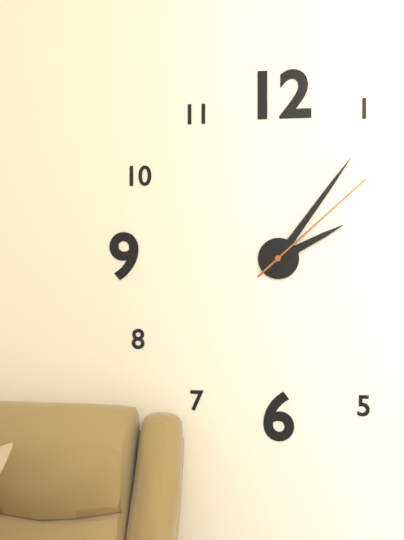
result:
2,06,08
